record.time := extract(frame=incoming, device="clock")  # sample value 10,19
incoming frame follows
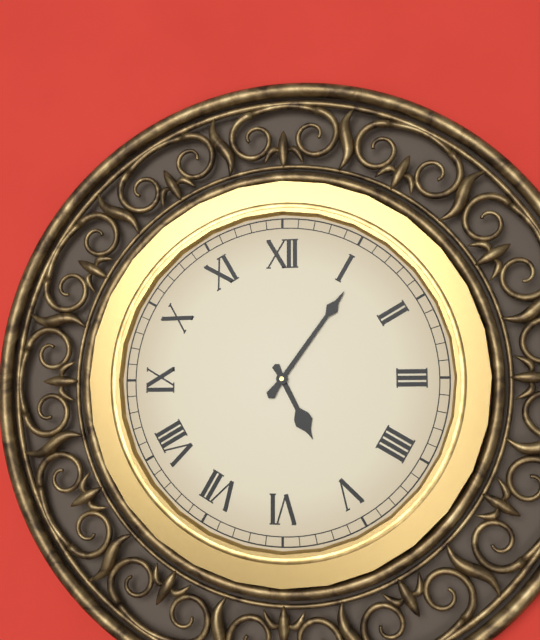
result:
5,06
